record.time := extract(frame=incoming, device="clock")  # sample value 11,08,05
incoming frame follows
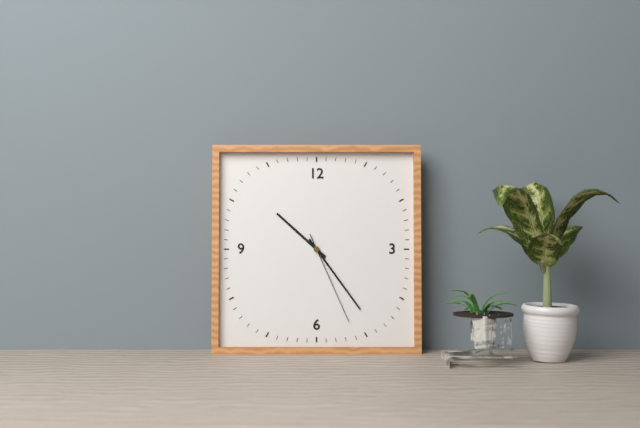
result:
10,24,26
